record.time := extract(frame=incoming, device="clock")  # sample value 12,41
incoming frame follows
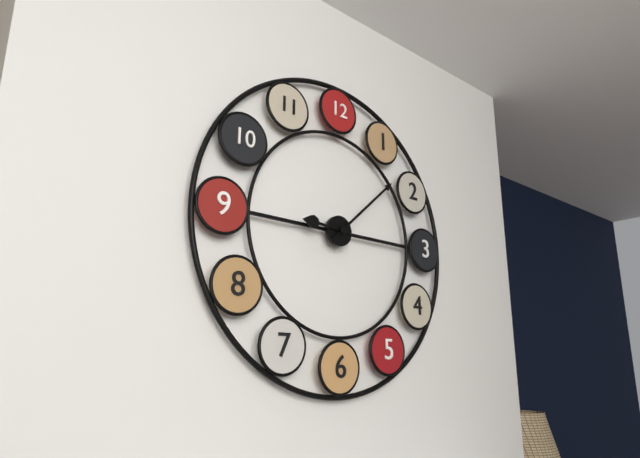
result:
9,08
